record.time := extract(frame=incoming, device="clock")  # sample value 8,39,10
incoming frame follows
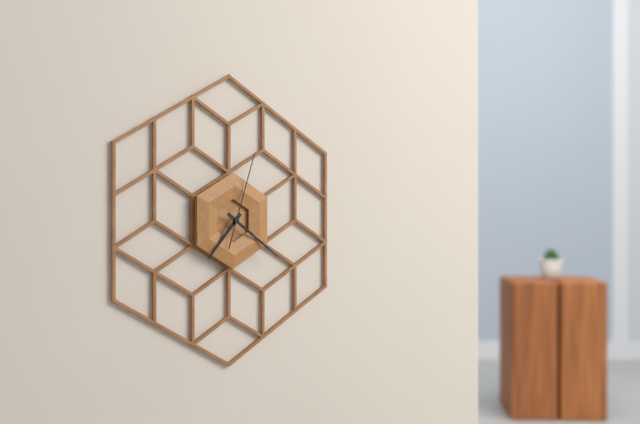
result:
7,21,03
